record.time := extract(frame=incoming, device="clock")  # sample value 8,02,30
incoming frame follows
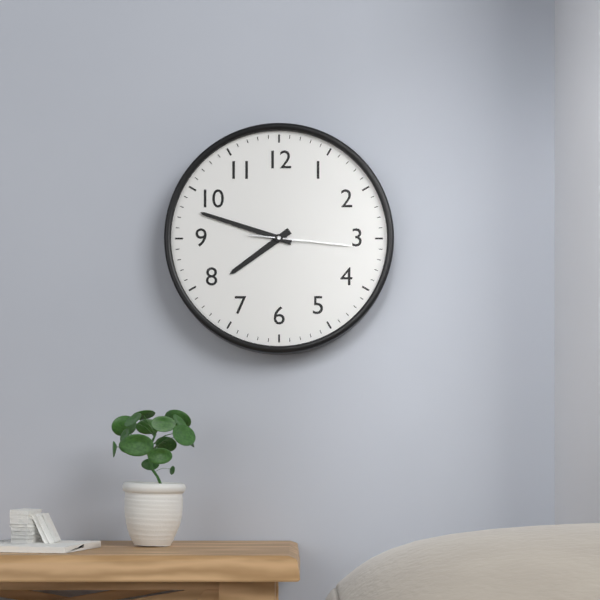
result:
7,48,16
